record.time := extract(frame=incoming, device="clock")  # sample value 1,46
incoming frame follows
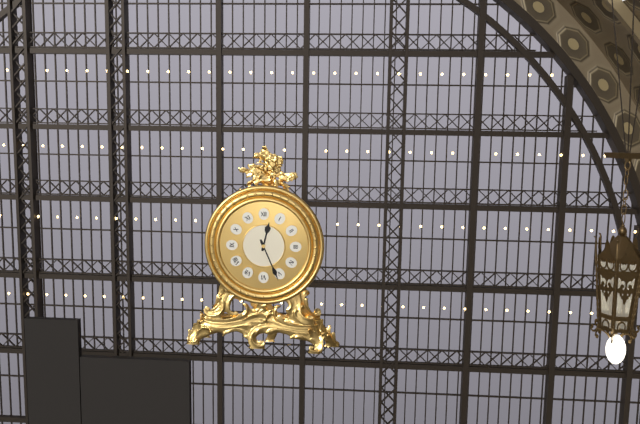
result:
12,26
